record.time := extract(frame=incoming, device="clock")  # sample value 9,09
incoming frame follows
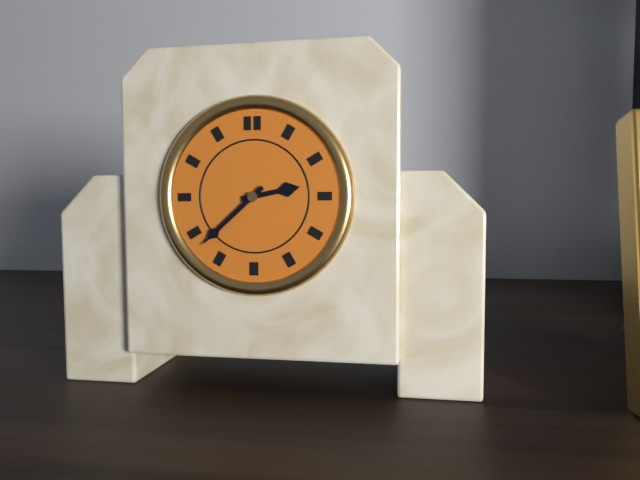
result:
2,38
